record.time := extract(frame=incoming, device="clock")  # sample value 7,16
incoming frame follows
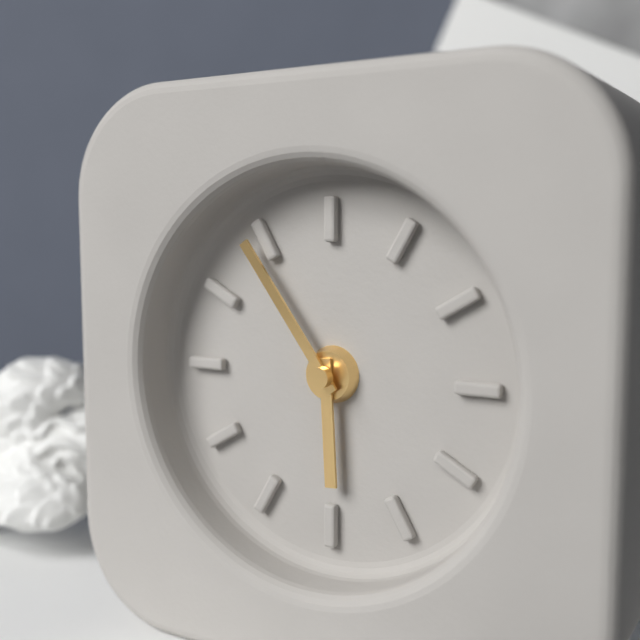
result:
5,54
